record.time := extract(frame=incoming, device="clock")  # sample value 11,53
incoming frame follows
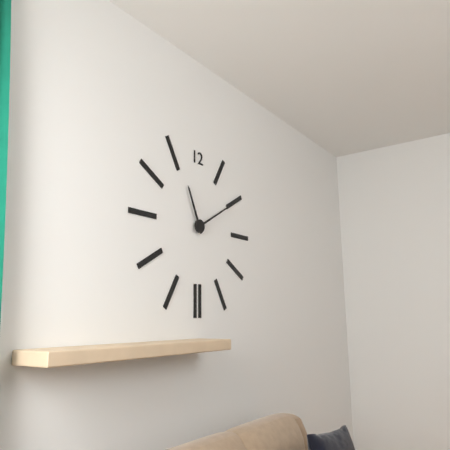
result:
11,10
